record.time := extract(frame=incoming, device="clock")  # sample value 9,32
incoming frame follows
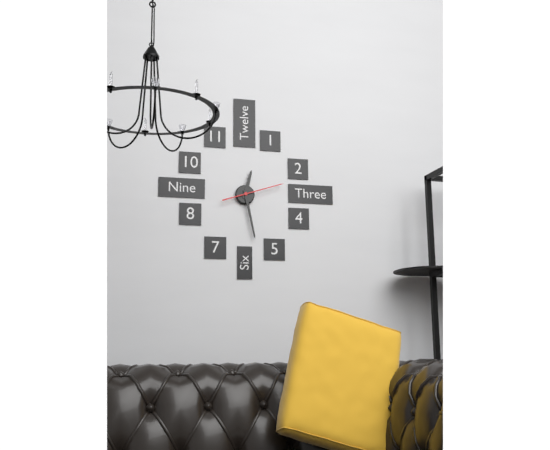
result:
12,28
